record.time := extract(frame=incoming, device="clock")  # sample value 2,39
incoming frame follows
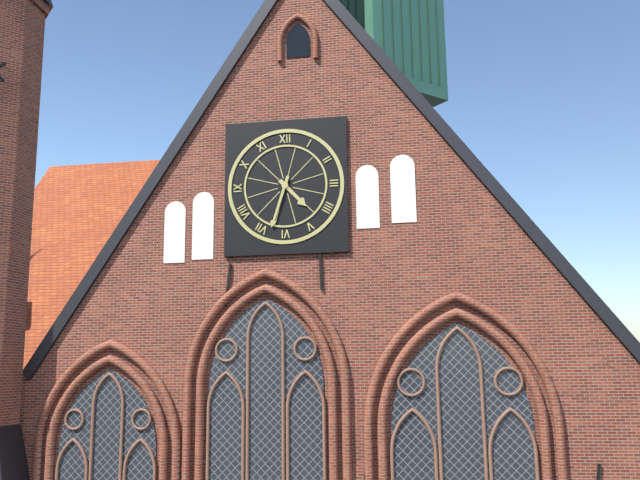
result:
4,33
